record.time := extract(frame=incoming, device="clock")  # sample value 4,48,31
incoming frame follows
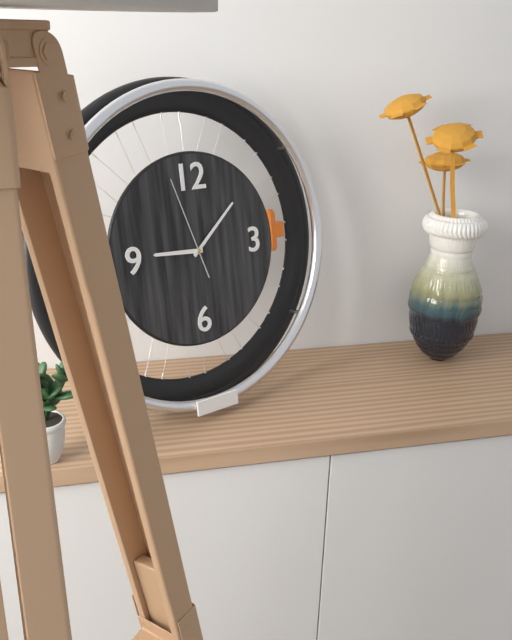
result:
9,08,57
